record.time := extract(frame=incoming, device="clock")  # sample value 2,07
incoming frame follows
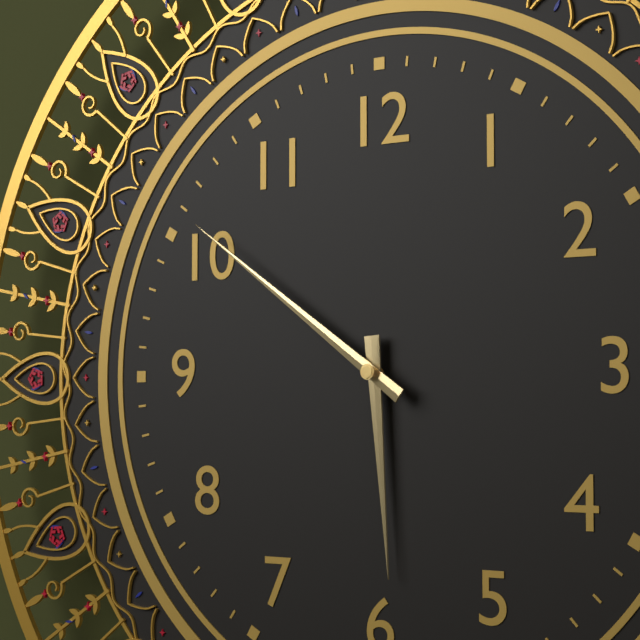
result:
5,51
